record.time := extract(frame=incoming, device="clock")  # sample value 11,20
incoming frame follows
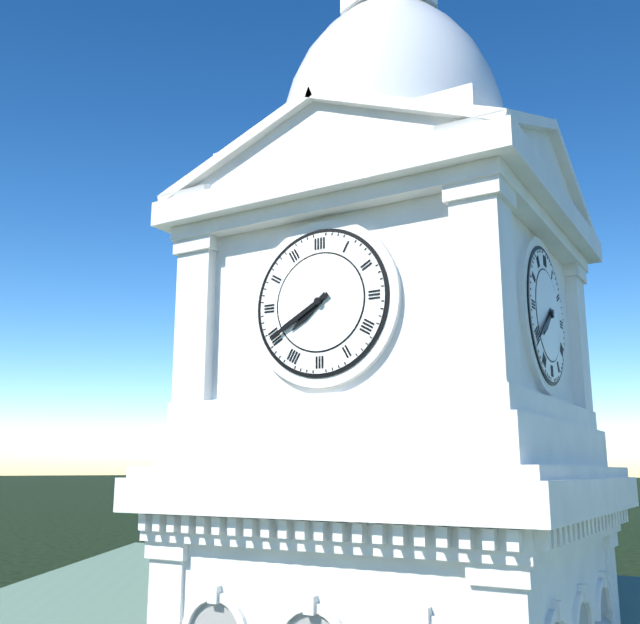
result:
7,40
